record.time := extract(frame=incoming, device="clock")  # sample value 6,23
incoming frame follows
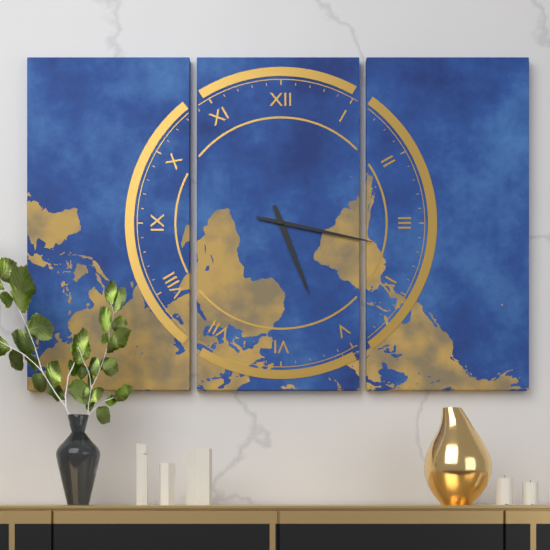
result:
5,17
